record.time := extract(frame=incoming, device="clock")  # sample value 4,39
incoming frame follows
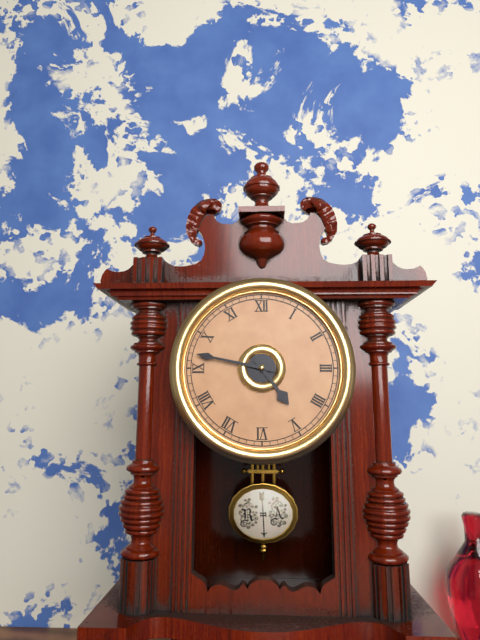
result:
4,47
